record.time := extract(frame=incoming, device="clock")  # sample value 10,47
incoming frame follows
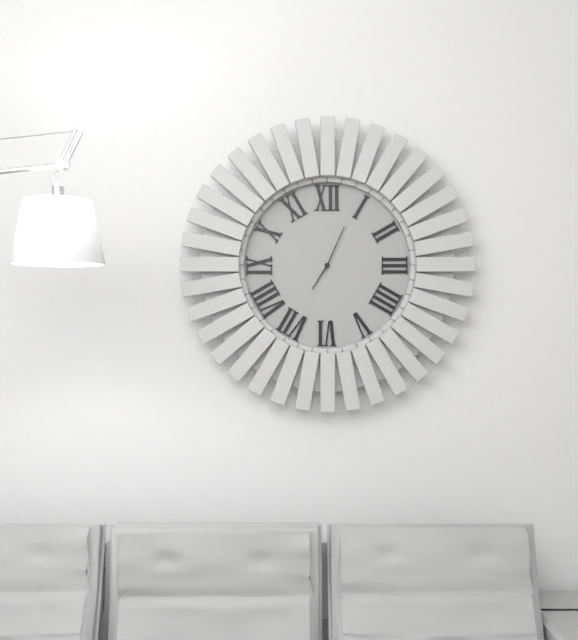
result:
7,04
